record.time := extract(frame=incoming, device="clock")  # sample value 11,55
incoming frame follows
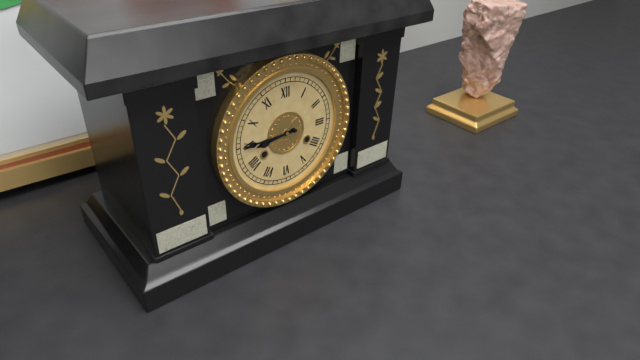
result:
8,45
